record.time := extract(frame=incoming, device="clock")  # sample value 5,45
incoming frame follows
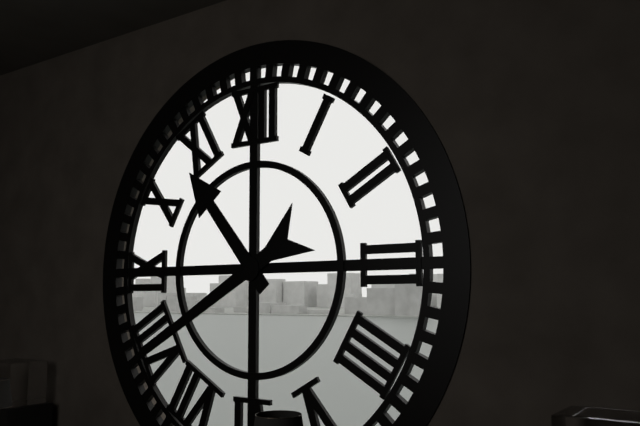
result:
10,40
